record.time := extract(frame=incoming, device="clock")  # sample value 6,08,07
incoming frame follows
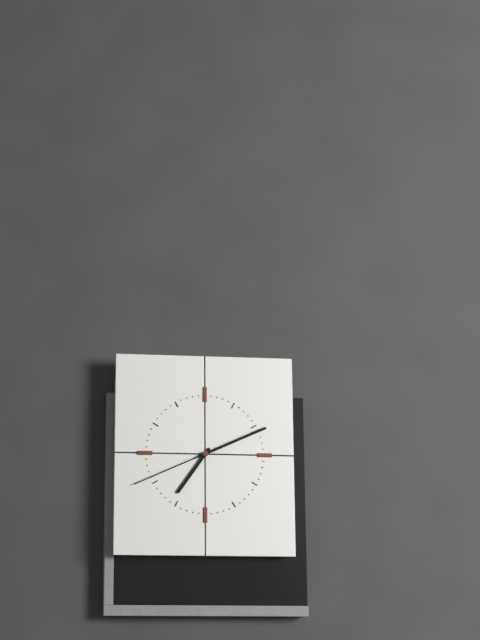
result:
7,11,41
